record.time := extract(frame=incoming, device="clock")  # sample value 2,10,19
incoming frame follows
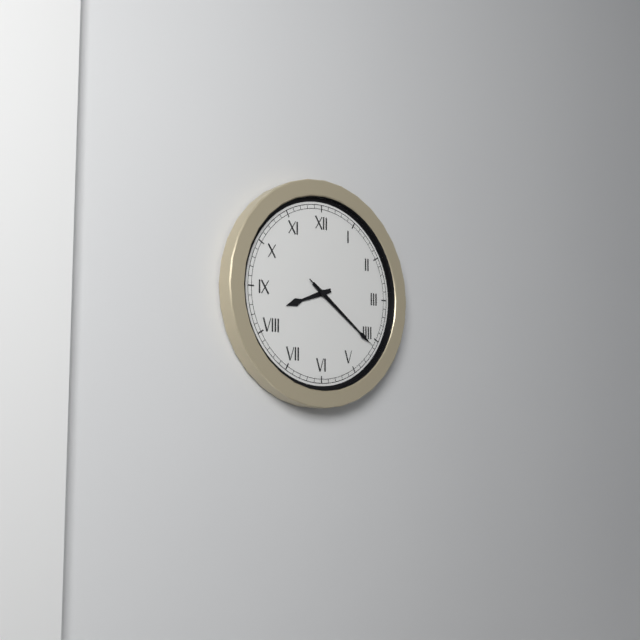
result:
8,21,21
